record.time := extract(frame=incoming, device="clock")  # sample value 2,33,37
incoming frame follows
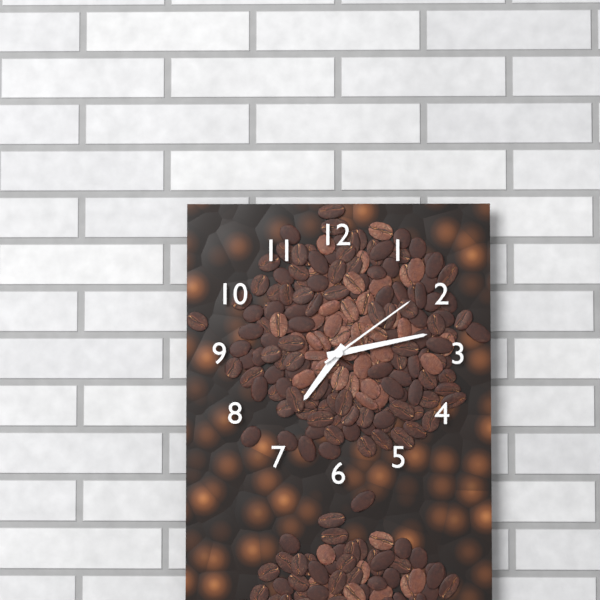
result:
7,13,09
